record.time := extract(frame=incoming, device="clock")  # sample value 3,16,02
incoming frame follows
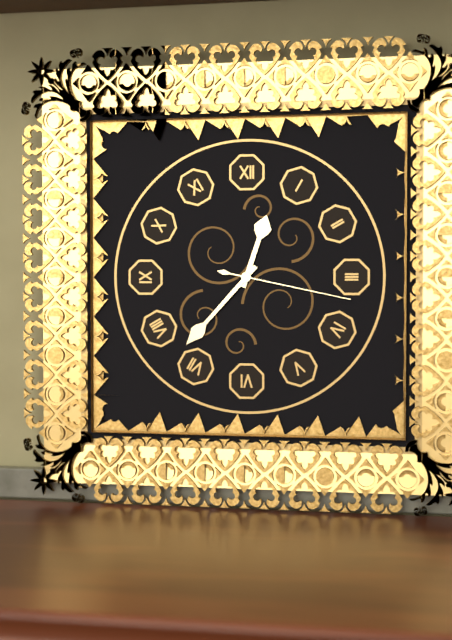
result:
12,37,17
